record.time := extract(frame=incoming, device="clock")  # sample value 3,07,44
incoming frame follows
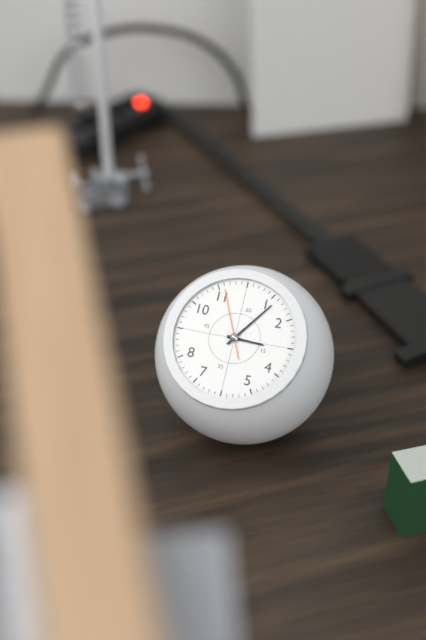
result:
3,06,56
